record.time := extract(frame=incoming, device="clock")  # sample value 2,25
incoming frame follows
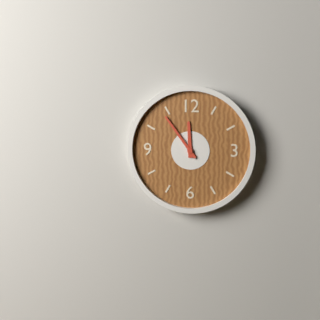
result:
11,54
